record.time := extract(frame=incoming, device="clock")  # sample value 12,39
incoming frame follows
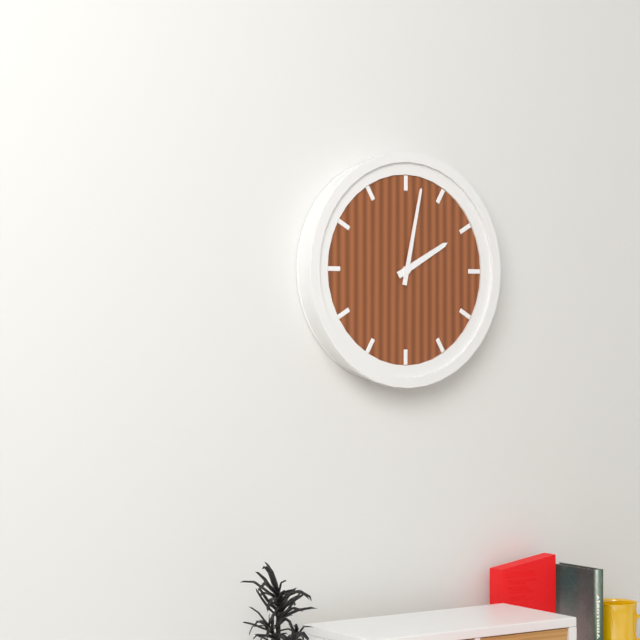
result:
2,02
